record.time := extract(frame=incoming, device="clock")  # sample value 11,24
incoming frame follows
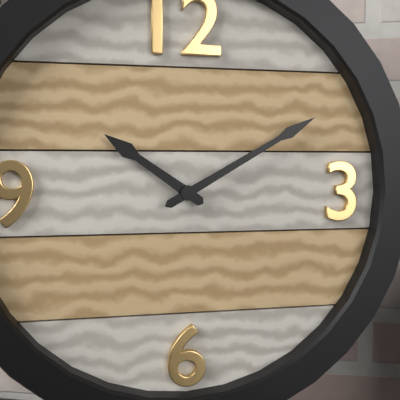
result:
10,10
